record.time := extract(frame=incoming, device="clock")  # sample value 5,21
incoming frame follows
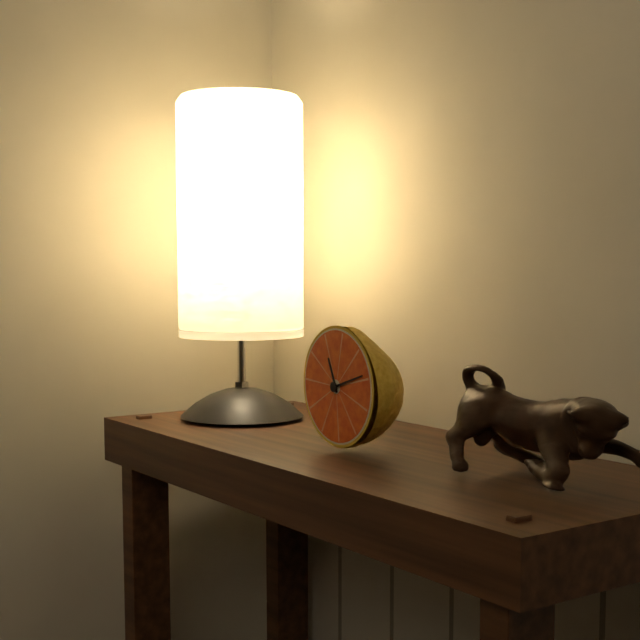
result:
11,12
